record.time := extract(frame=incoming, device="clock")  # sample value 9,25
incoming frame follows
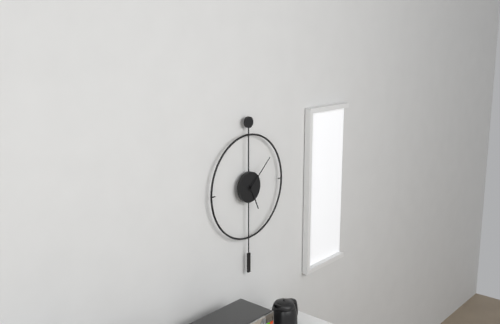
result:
5,08
